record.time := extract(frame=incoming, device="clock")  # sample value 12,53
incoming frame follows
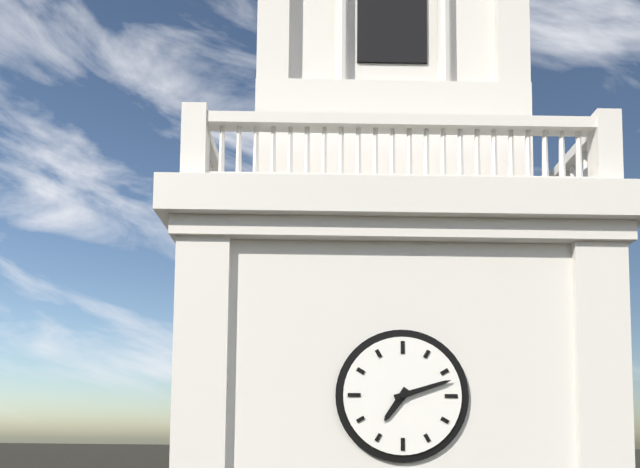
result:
7,12
